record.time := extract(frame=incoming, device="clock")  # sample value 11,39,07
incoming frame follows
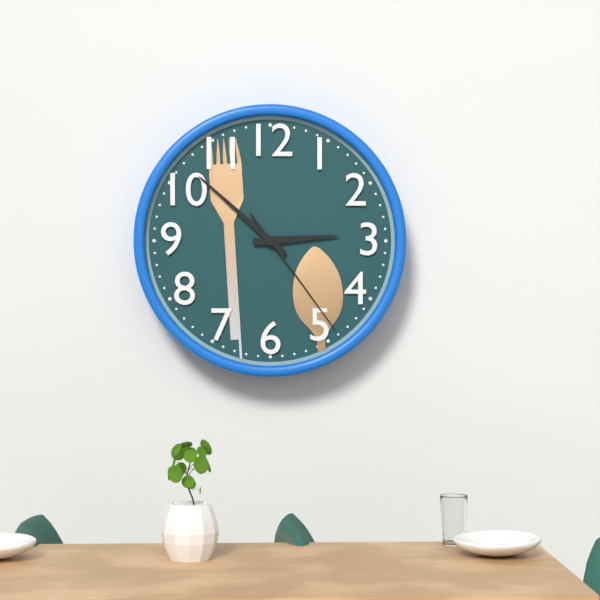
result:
2,52,24
